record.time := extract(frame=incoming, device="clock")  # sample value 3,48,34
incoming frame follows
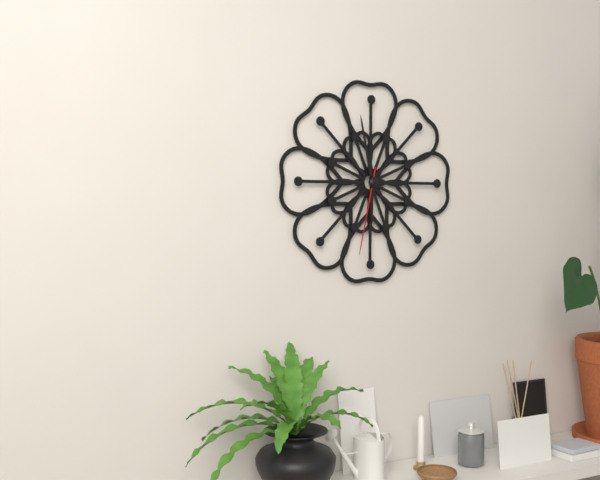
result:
5,58,32
